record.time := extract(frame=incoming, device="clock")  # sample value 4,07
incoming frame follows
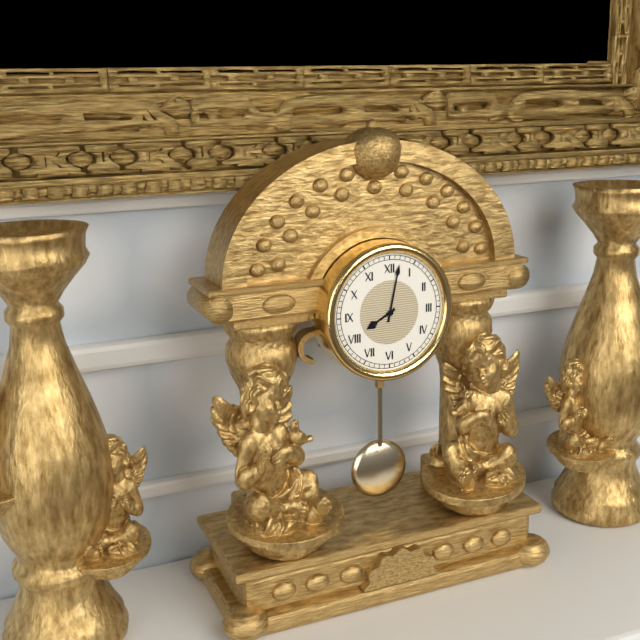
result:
8,02
